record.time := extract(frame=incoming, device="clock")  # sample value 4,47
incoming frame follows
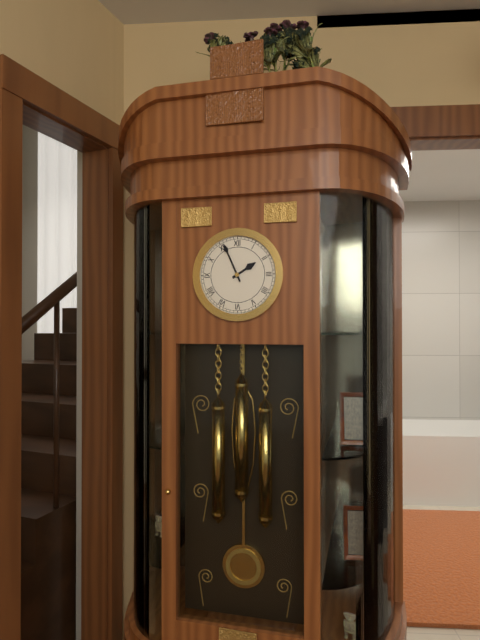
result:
1,56
